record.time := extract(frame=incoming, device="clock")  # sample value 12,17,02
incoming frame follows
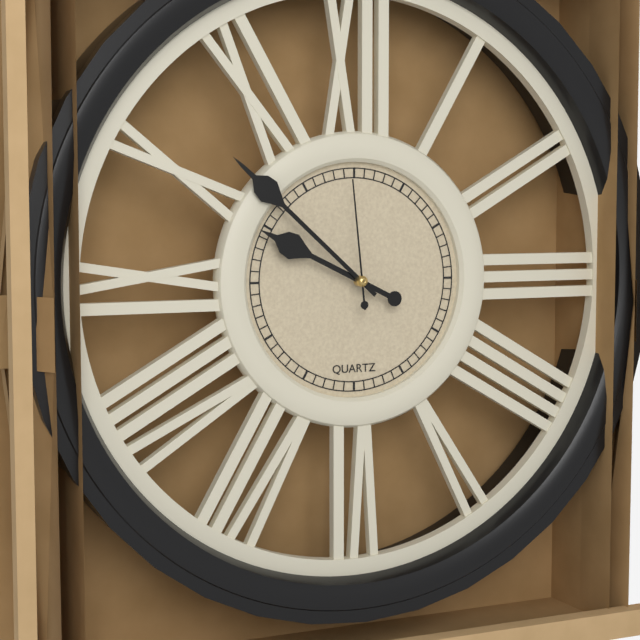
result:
9,52,59
